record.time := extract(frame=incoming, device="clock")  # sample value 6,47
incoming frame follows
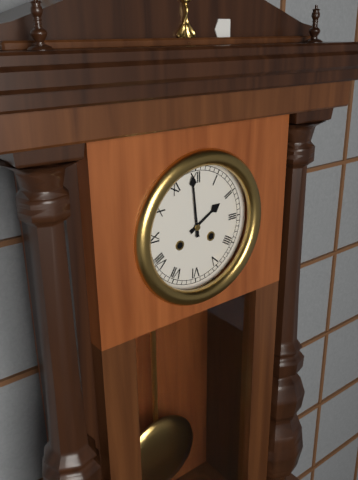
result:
1,59
